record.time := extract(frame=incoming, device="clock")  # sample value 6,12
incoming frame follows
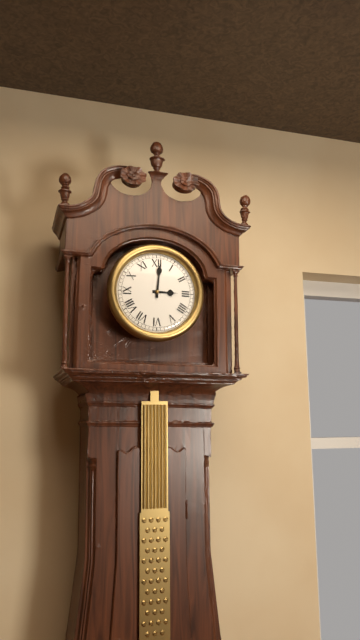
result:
3,01
